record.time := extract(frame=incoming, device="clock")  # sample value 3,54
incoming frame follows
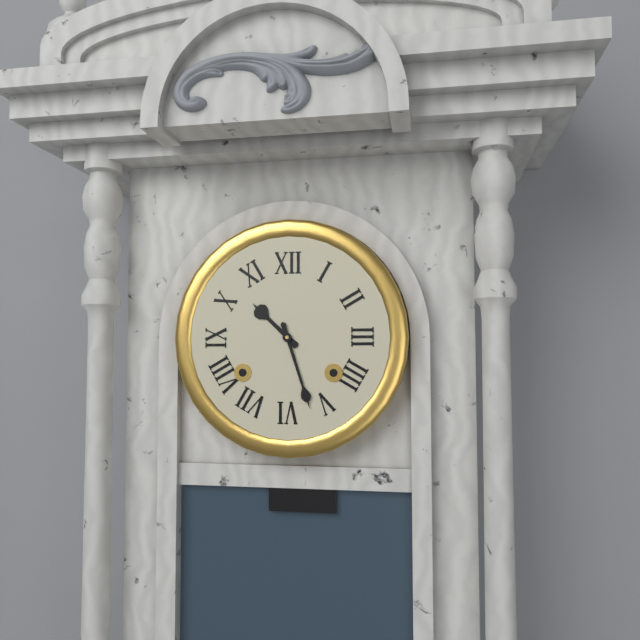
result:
10,27
